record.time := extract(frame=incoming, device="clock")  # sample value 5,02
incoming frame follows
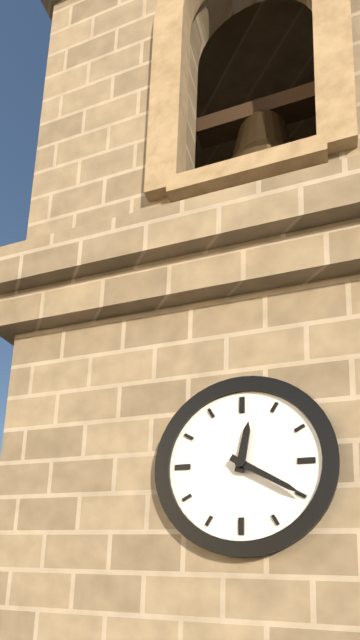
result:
12,20
